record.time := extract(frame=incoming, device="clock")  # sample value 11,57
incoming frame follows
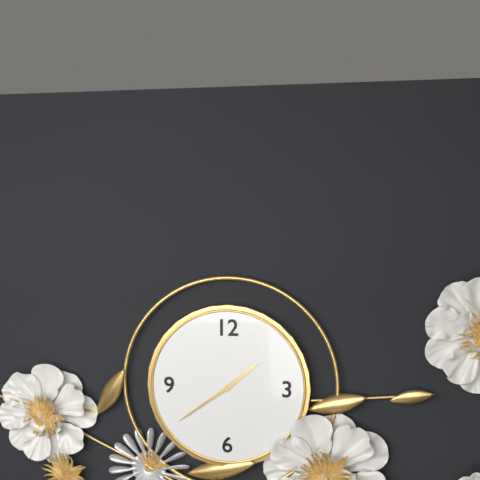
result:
1,39
